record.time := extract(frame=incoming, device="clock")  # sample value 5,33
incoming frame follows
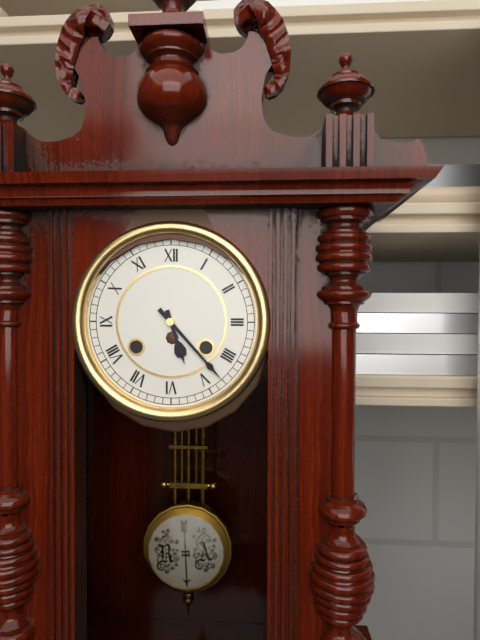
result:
5,23
